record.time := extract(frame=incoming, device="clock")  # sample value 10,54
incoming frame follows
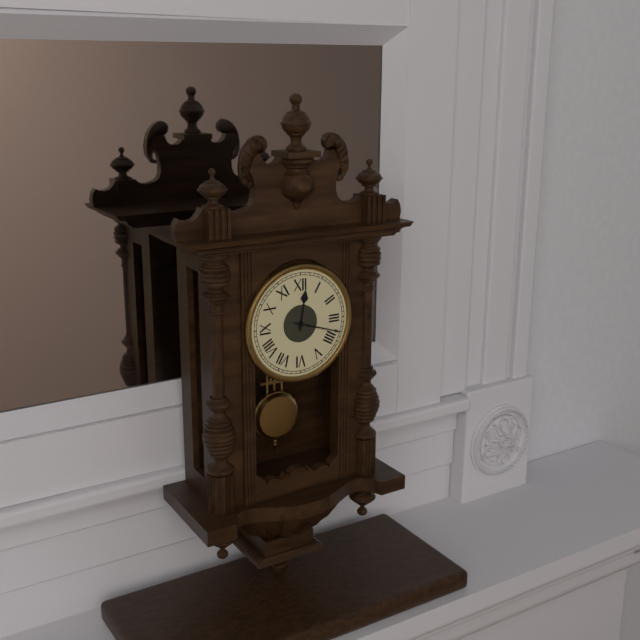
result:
12,18
